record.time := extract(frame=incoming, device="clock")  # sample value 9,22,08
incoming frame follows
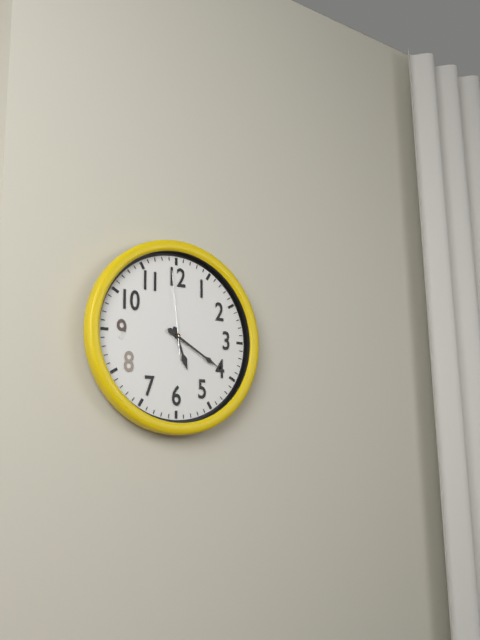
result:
5,20,59
